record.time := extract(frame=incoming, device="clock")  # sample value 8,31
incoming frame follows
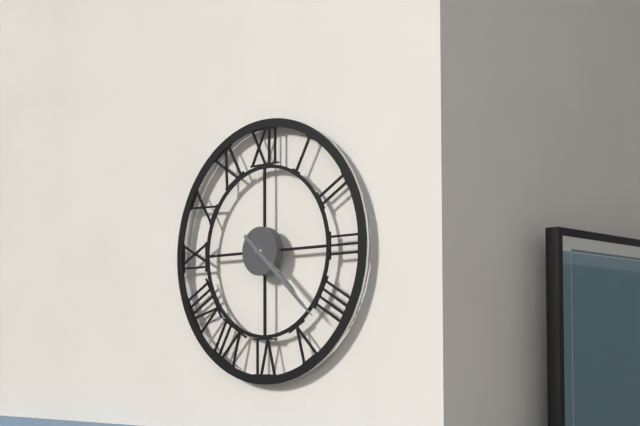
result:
4,22
